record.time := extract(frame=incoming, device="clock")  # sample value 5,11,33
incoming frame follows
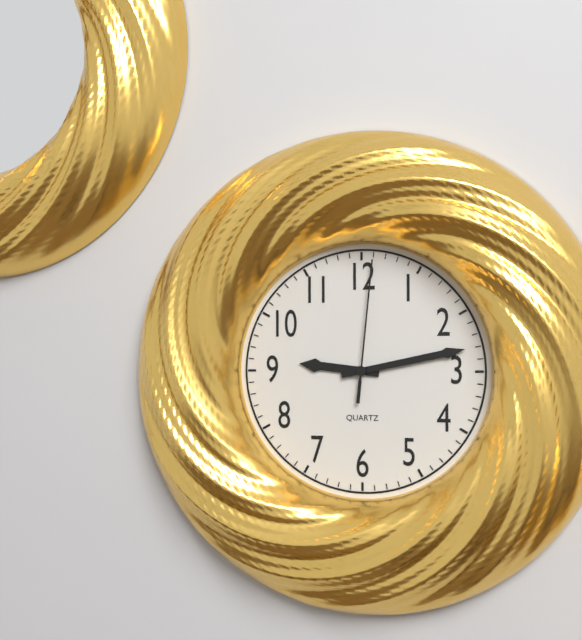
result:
9,13,01
